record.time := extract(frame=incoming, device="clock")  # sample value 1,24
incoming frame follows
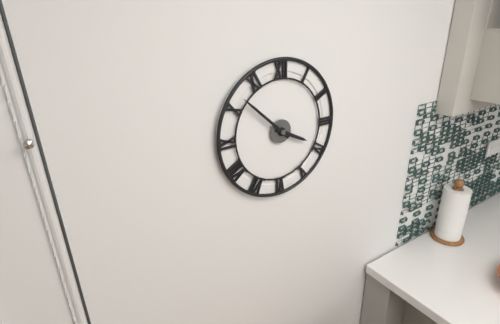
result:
3,52
